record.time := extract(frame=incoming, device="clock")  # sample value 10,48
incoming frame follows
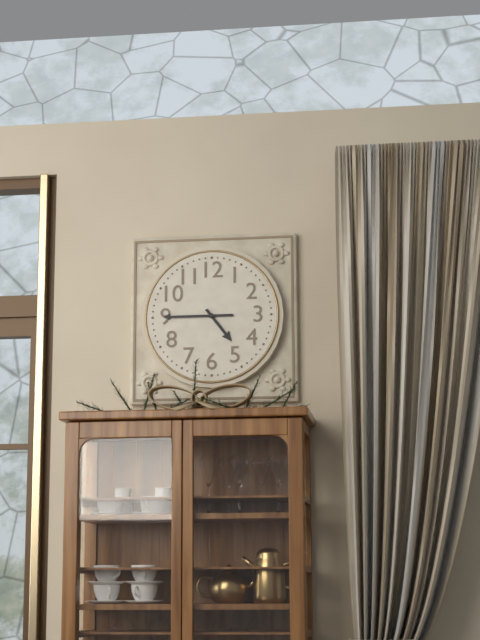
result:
4,45
